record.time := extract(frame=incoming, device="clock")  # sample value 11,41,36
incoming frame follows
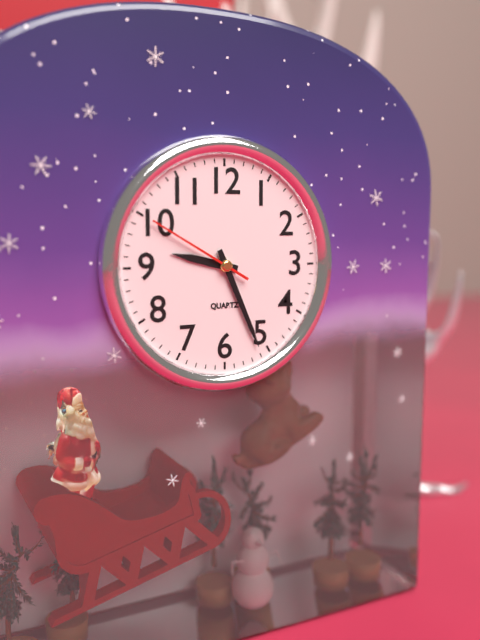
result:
9,26,50
